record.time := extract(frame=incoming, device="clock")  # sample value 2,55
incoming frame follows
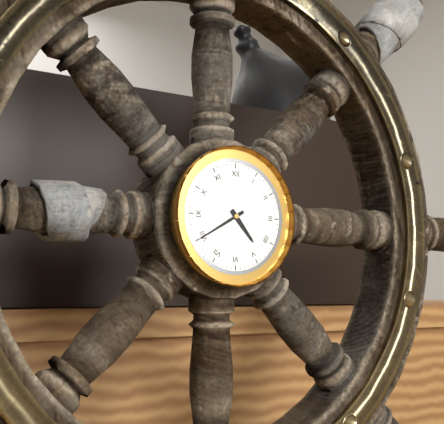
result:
4,40
